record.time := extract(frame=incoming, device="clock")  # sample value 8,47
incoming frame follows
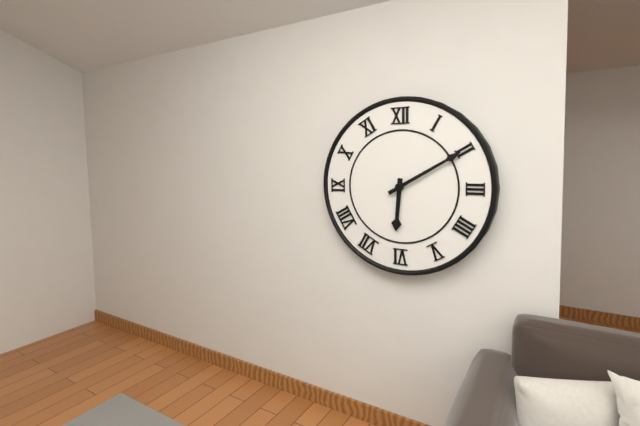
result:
6,10
